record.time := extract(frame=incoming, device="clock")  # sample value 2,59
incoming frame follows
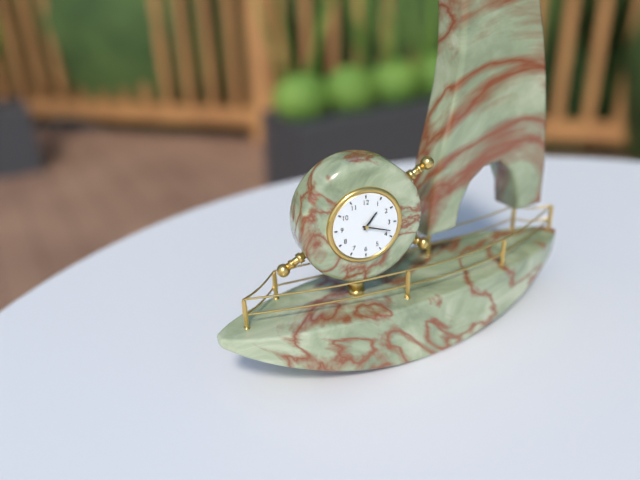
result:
1,18
